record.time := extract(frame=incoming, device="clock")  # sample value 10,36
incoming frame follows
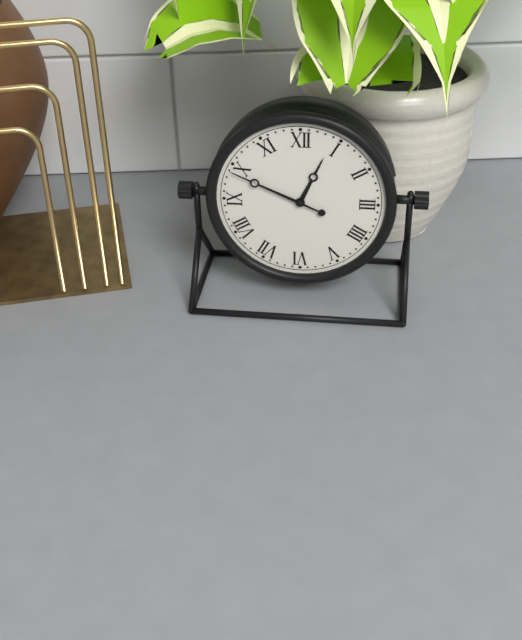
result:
12,49
